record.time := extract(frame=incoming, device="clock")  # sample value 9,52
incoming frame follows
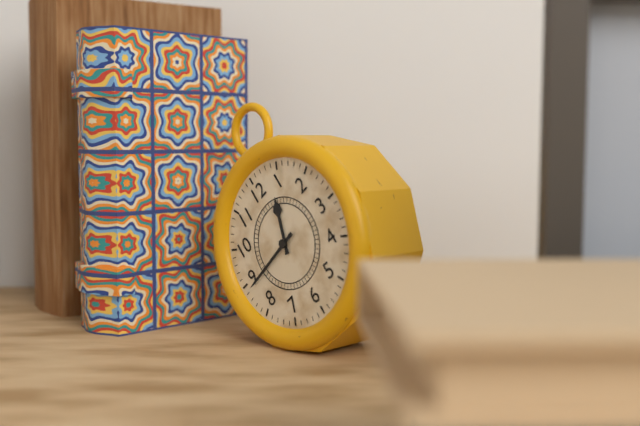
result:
12,44
